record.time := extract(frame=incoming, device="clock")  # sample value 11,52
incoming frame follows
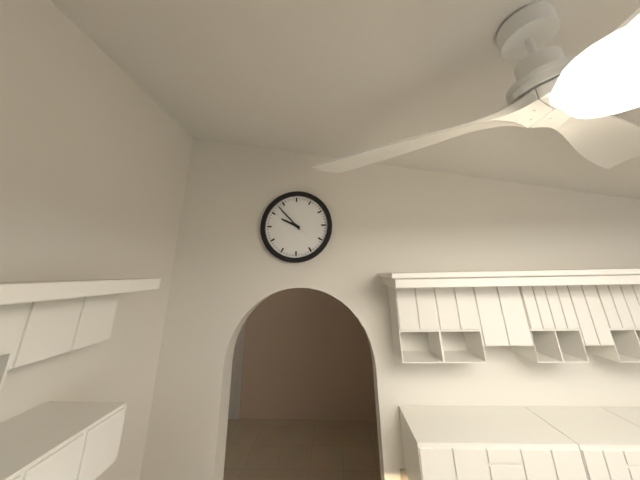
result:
9,53
